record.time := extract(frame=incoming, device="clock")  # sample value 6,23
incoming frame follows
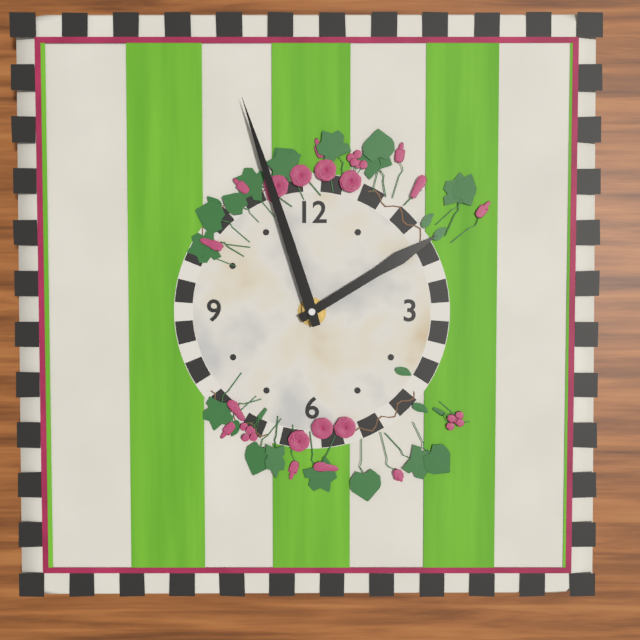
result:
1,57
